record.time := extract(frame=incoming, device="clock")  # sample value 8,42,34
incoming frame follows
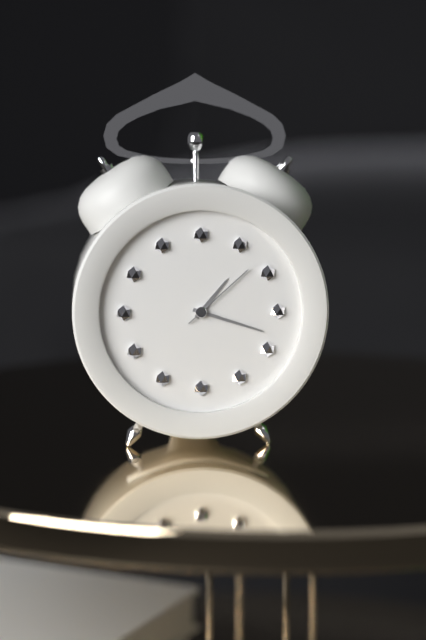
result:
1,18,08
